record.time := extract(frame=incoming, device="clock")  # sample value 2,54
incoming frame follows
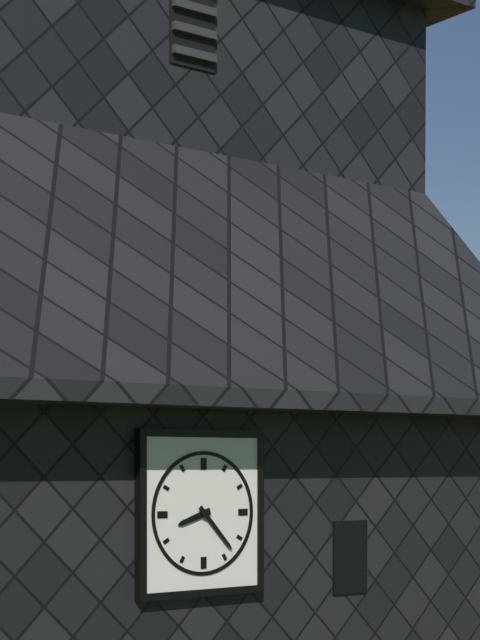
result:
8,23
